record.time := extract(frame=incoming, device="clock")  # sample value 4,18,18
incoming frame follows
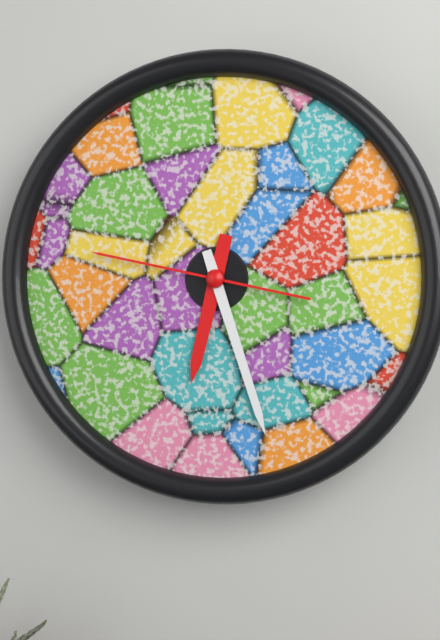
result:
6,27,47
